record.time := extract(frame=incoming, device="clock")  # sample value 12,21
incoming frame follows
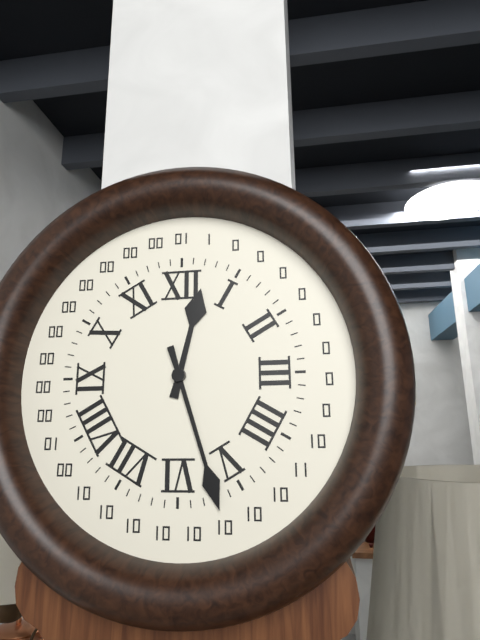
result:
12,27
